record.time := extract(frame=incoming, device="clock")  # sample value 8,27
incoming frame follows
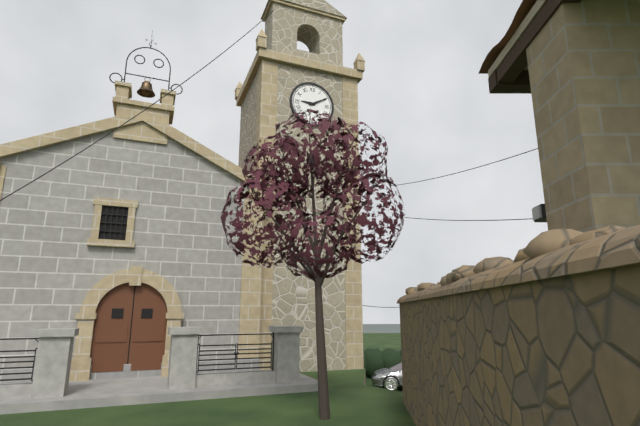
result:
9,10
